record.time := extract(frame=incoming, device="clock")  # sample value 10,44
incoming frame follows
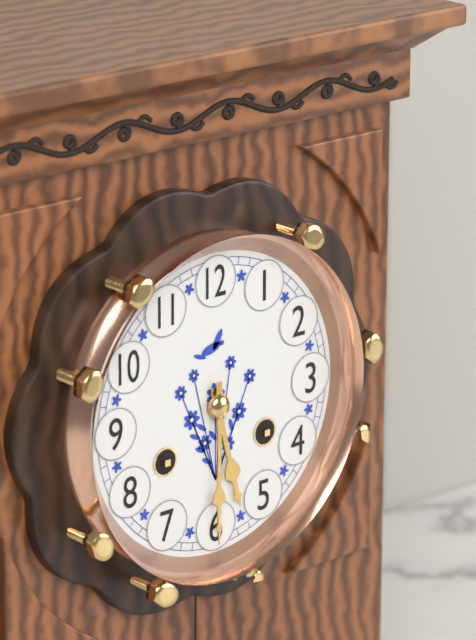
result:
5,30
